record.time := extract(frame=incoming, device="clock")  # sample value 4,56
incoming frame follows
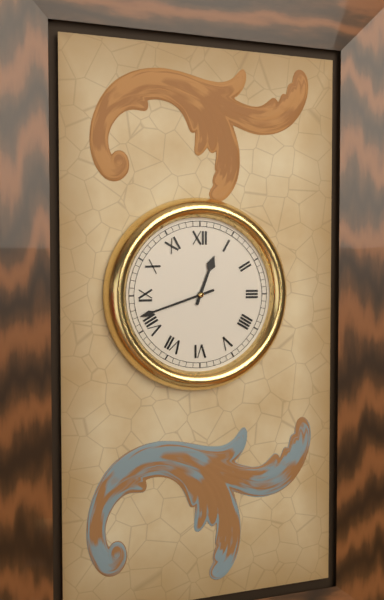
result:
12,42
